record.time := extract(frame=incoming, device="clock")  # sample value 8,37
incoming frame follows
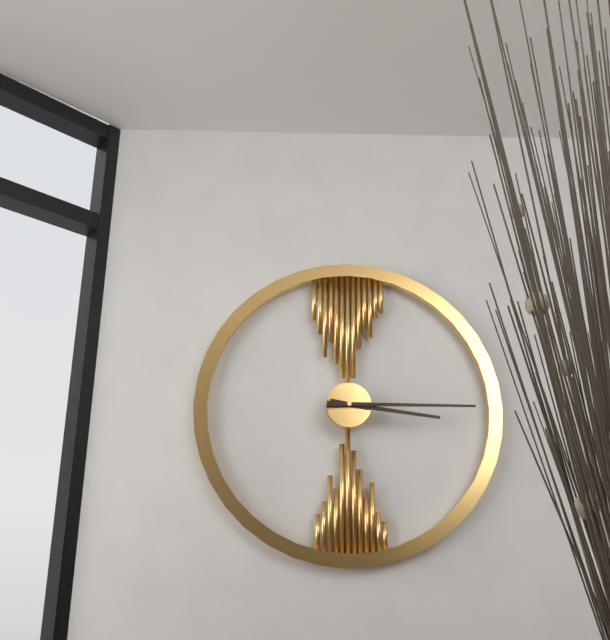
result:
3,15
